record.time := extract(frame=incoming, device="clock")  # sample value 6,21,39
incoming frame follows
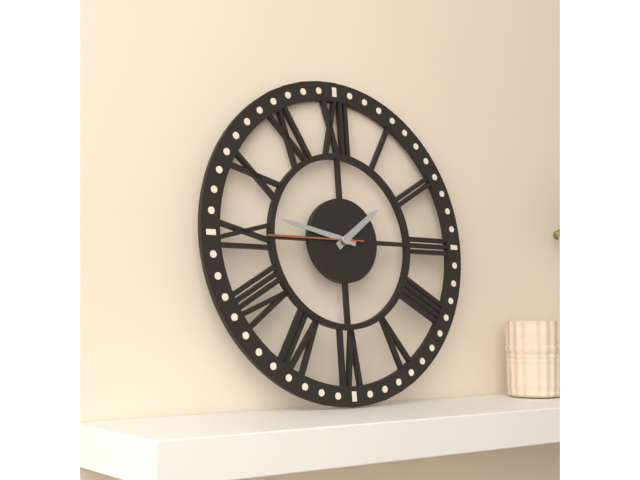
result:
1,47,45
